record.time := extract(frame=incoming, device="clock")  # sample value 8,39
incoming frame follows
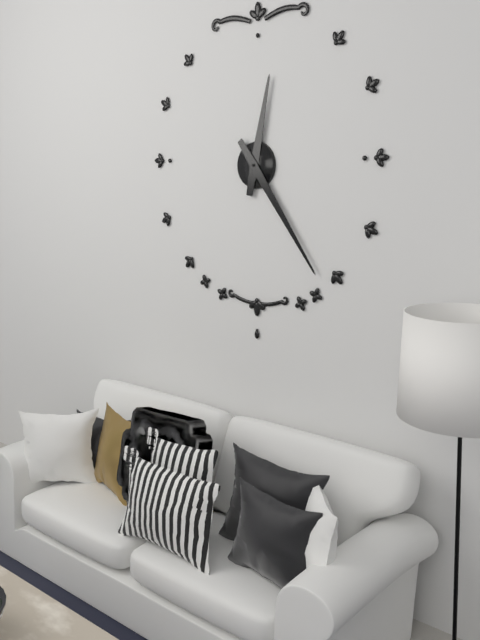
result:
12,24
